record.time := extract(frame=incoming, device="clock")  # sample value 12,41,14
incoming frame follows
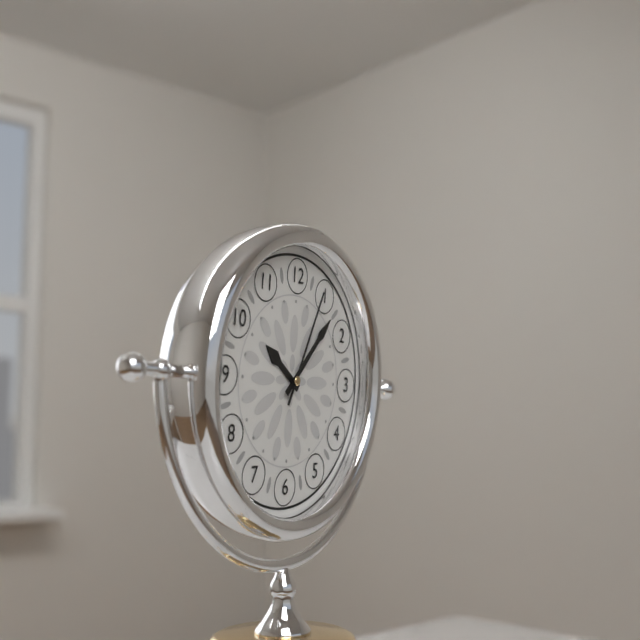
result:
10,07,04
